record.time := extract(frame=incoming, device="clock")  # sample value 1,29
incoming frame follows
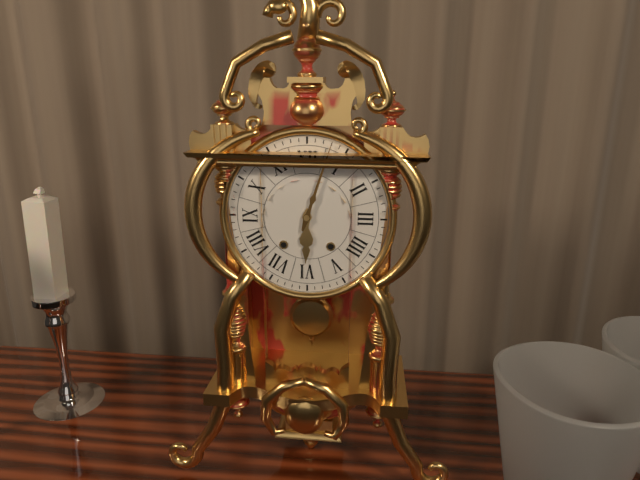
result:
6,03
